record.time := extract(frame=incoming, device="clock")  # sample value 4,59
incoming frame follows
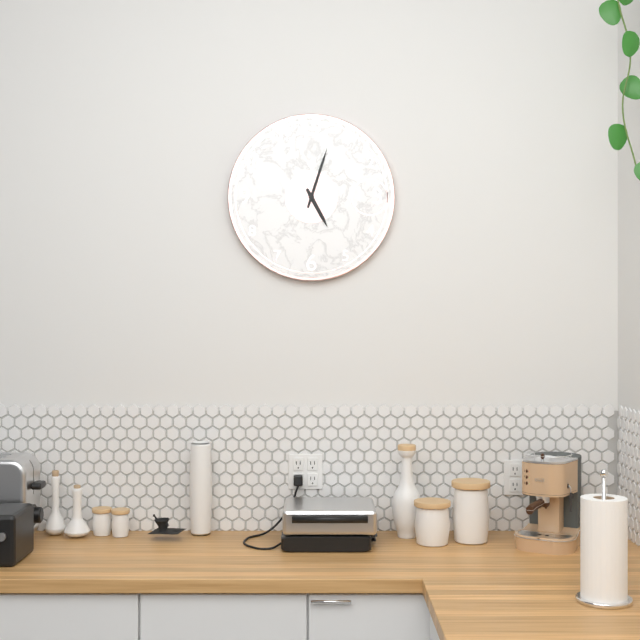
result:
5,03
